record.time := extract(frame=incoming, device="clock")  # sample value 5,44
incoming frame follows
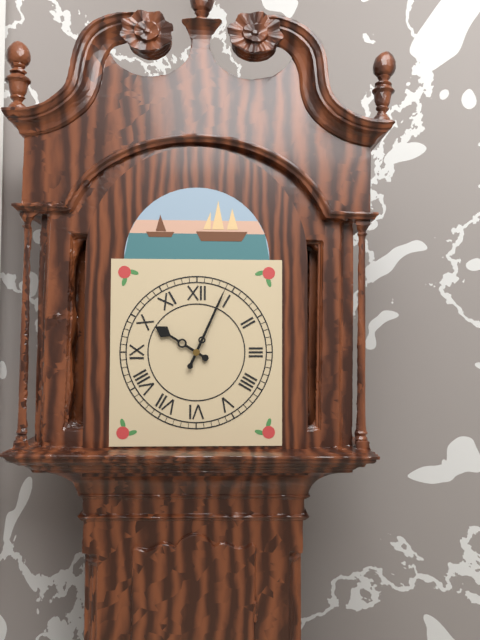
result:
10,04
